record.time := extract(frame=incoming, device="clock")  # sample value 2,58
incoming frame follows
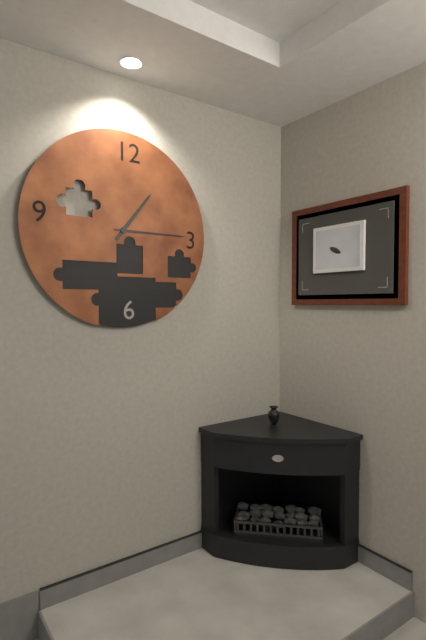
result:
1,15
